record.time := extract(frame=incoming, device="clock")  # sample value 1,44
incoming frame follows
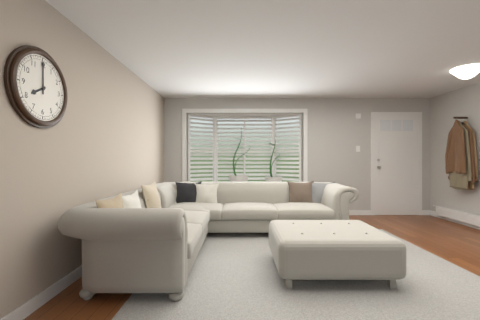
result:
8,00
